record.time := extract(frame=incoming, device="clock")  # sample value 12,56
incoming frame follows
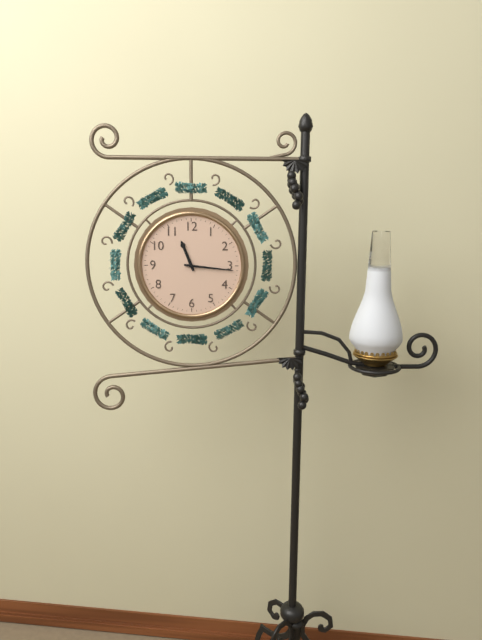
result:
11,16
